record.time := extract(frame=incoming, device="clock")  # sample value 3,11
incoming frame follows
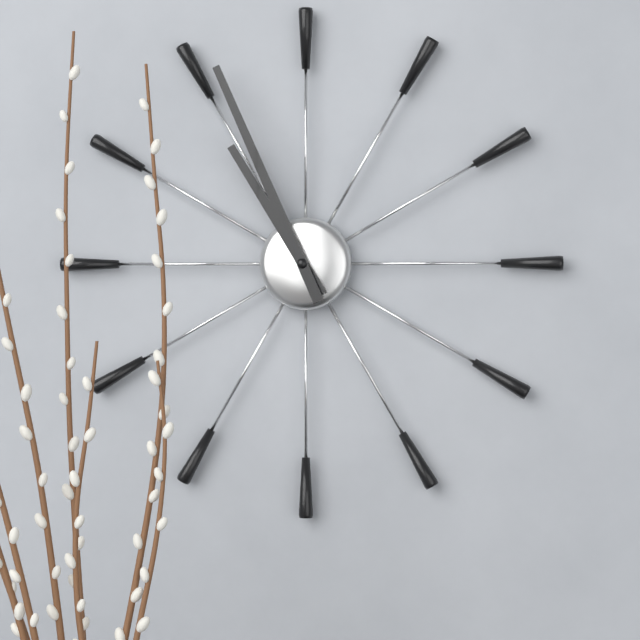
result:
10,56
